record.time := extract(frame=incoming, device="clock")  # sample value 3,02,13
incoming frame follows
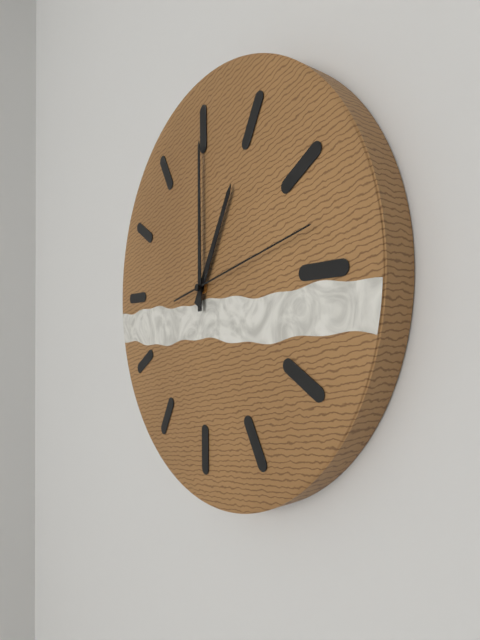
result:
1,00,13
